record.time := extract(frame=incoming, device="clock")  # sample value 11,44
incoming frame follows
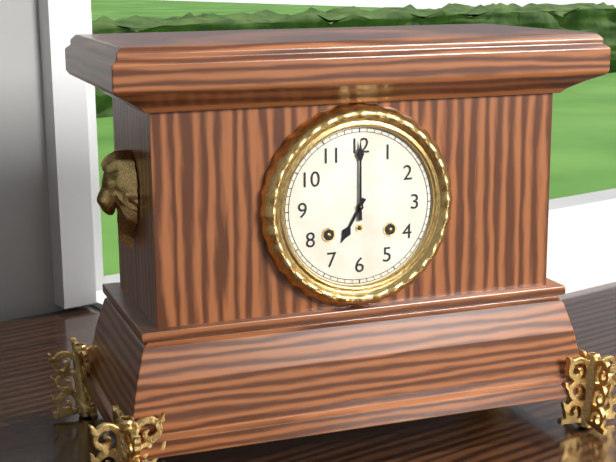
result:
7,00
